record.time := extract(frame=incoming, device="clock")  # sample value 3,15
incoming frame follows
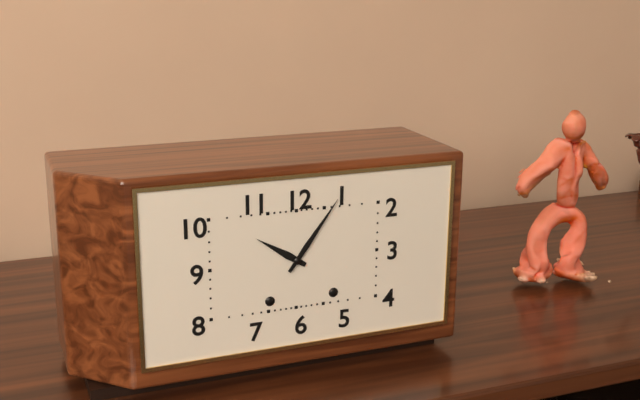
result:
10,06
